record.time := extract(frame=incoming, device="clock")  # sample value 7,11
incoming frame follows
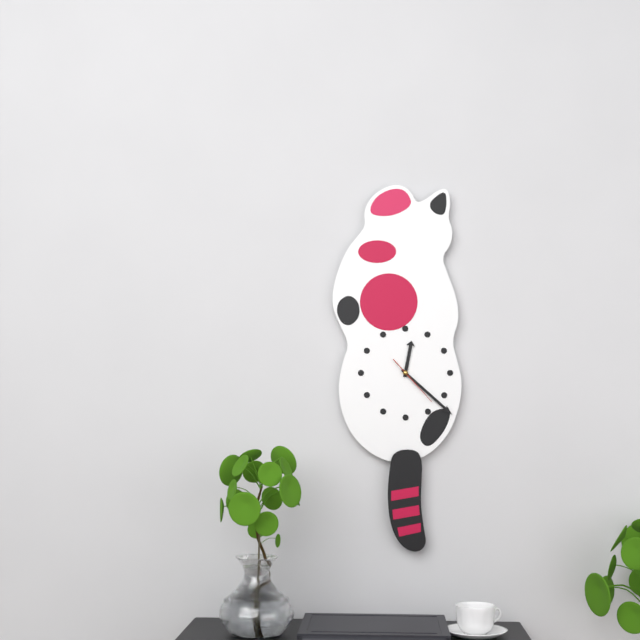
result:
12,22
